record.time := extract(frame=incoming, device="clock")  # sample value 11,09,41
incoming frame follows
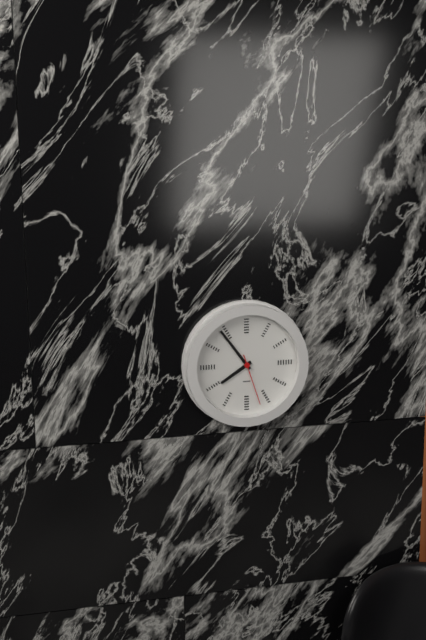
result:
7,54,27
